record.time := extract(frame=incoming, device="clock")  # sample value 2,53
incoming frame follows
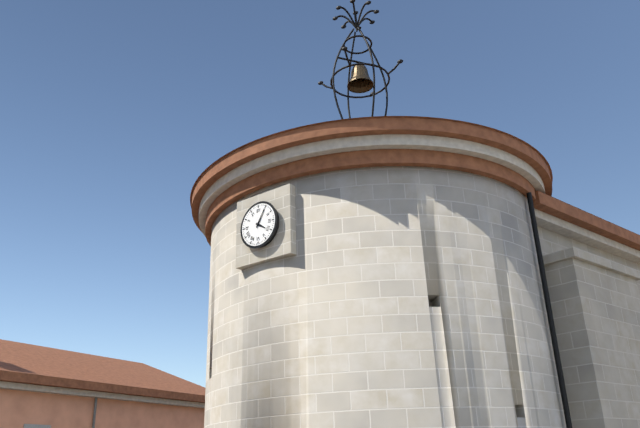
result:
4,05
